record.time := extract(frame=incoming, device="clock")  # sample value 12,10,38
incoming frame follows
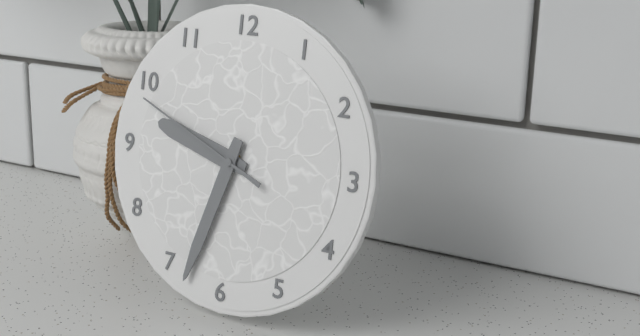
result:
9,33,49
